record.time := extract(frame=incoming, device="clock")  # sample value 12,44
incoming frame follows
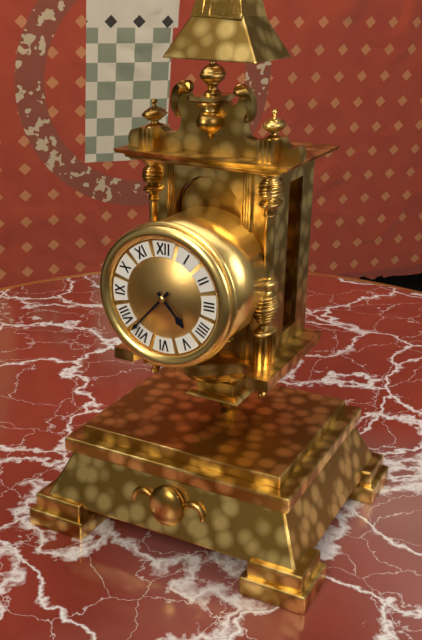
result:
4,37
